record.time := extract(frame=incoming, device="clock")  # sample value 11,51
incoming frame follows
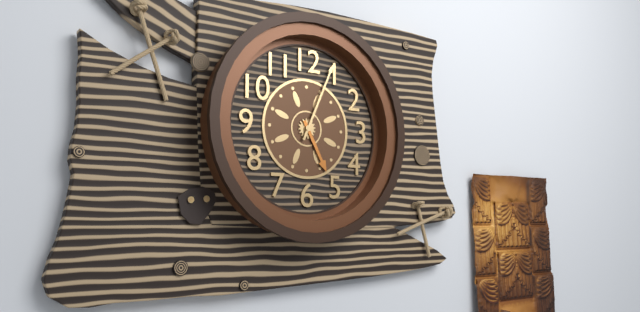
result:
5,04
